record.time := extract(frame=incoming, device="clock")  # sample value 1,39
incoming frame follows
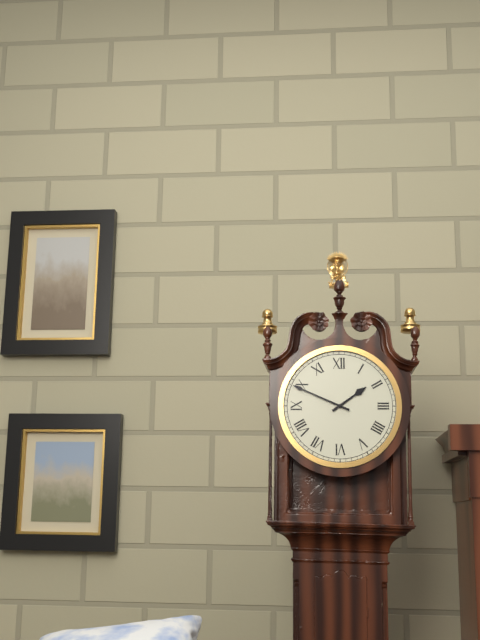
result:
1,49
